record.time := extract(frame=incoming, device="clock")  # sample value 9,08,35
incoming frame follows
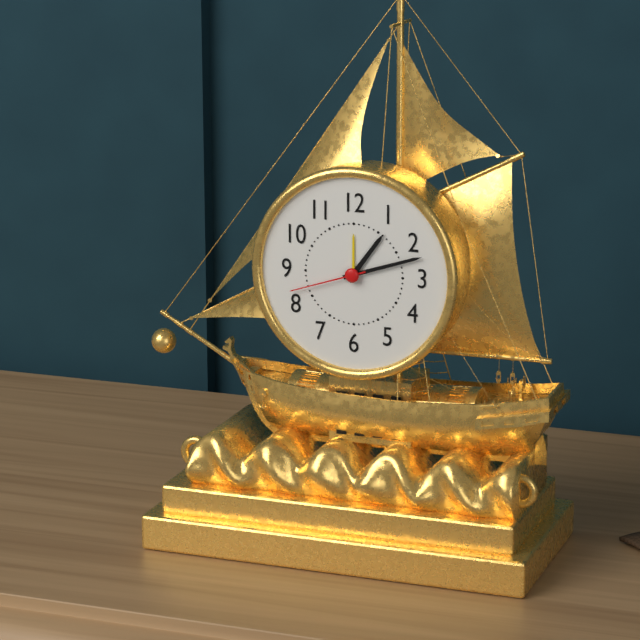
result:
1,12,42
